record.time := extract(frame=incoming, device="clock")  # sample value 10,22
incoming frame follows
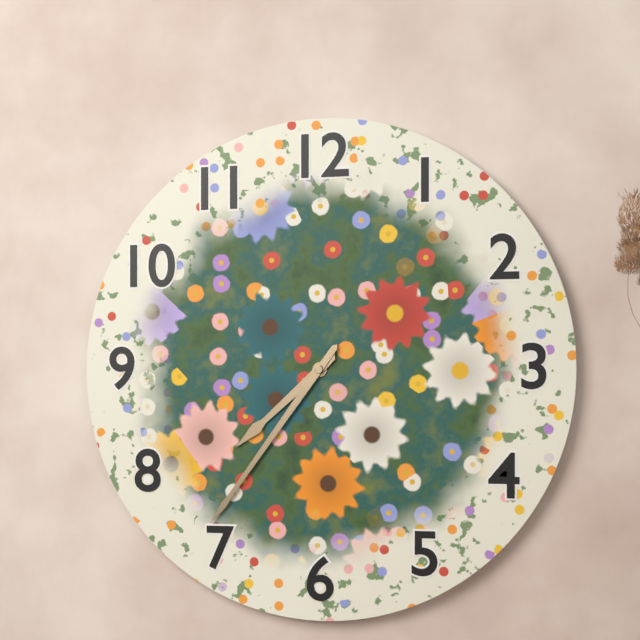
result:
7,36
